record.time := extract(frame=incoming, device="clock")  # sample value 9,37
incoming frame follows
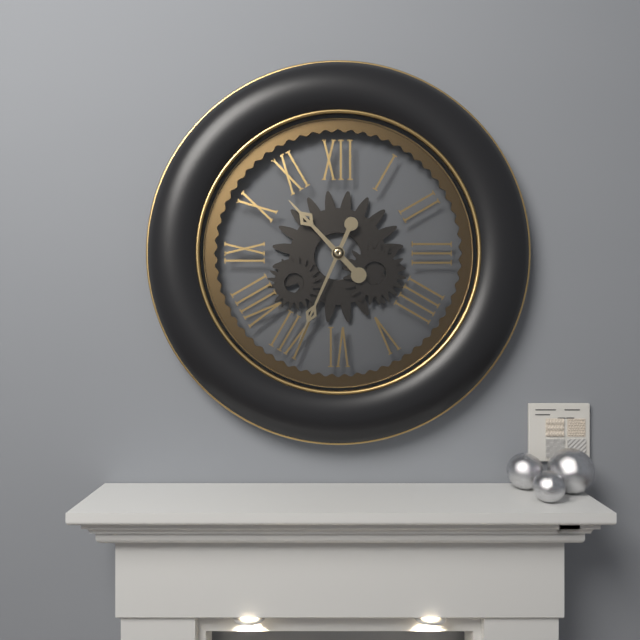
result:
10,34
